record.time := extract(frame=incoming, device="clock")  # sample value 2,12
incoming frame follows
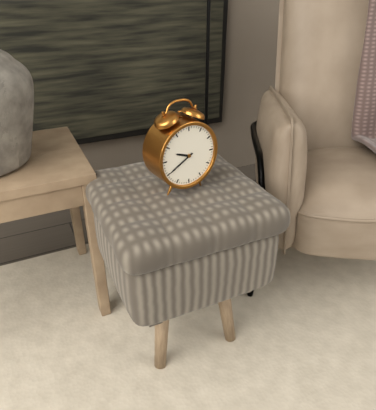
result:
9,40
